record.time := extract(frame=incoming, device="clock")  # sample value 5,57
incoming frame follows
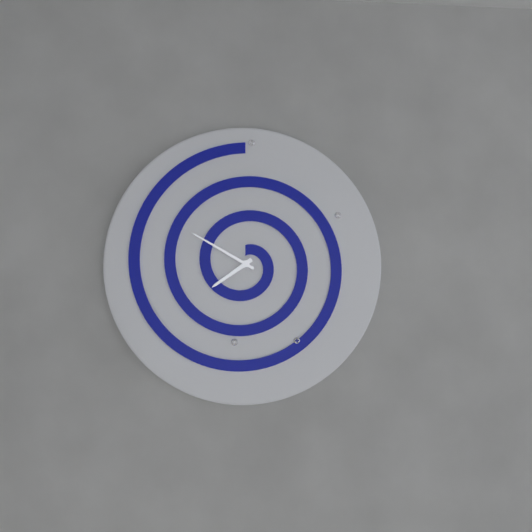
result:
7,50
